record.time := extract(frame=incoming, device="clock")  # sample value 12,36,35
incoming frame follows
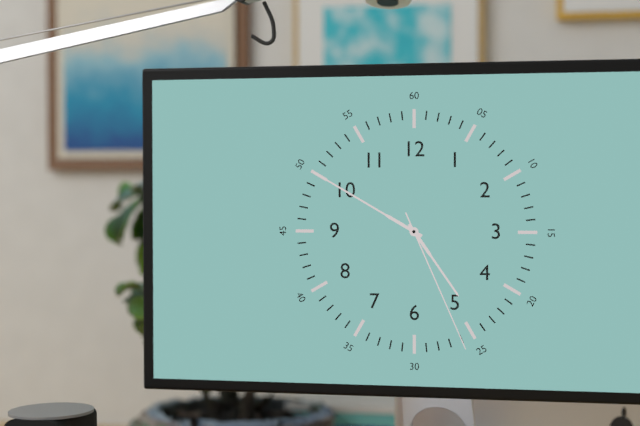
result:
4,50,26
